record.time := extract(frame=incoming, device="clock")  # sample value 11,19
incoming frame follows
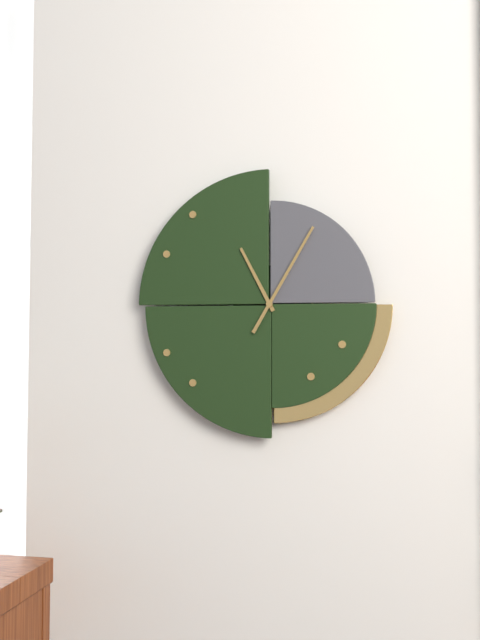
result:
11,05
